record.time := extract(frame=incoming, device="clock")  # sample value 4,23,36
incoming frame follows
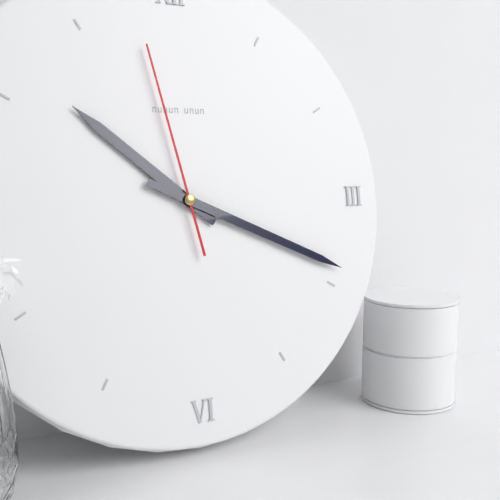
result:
10,19,58
